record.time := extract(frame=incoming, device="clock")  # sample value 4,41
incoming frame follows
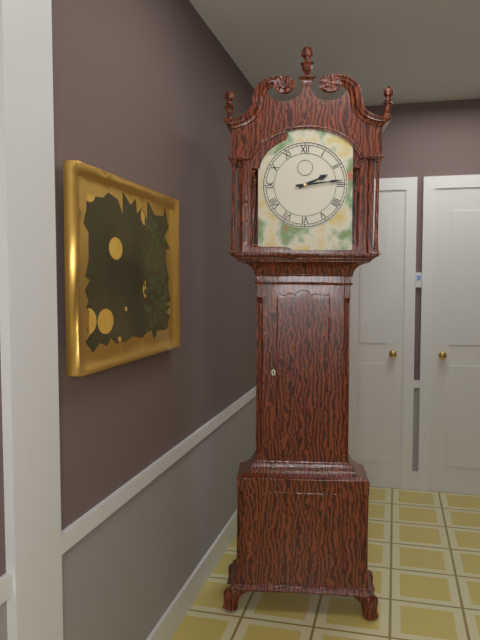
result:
2,14
